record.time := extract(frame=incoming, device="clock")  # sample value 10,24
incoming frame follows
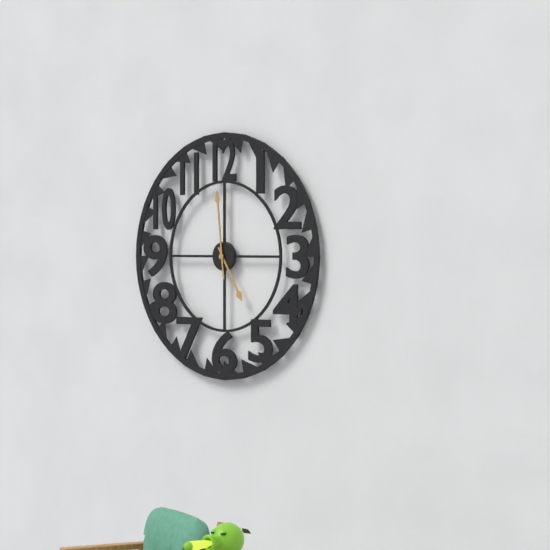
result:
4,59
